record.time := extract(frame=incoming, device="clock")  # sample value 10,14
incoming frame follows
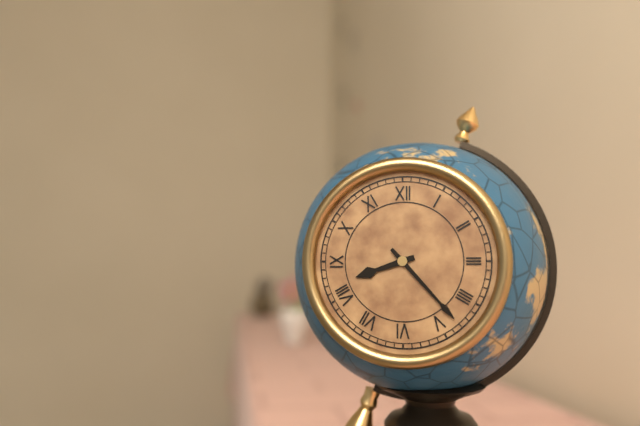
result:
8,23
